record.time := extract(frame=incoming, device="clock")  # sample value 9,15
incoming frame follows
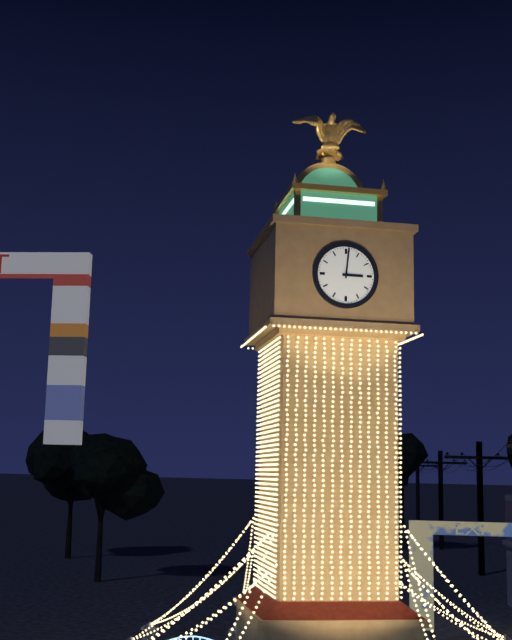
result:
3,01
